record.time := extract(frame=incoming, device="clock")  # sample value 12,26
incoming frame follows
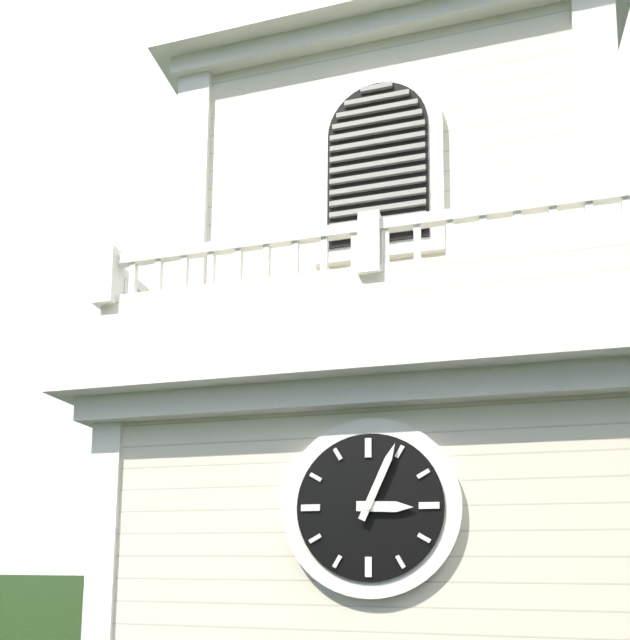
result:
3,04
